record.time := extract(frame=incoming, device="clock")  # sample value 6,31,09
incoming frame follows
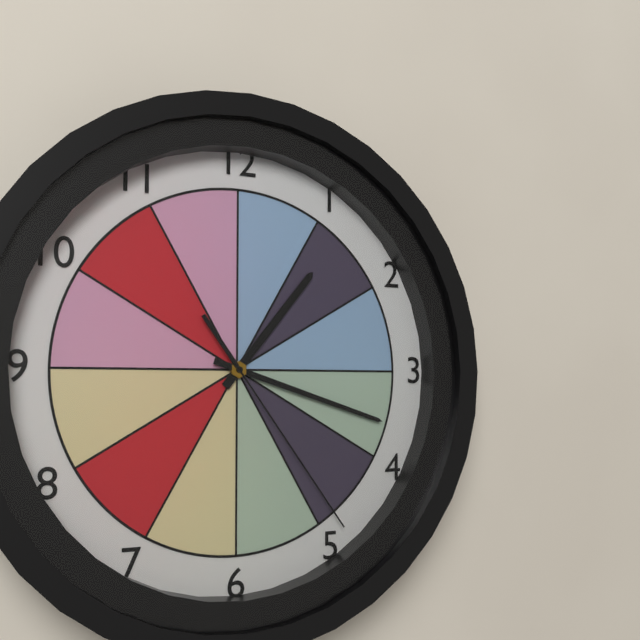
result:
1,18,24
